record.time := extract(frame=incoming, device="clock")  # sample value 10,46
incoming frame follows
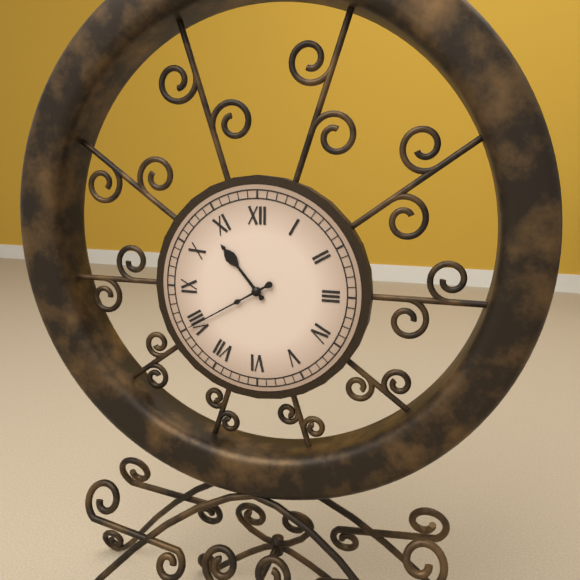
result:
10,40
